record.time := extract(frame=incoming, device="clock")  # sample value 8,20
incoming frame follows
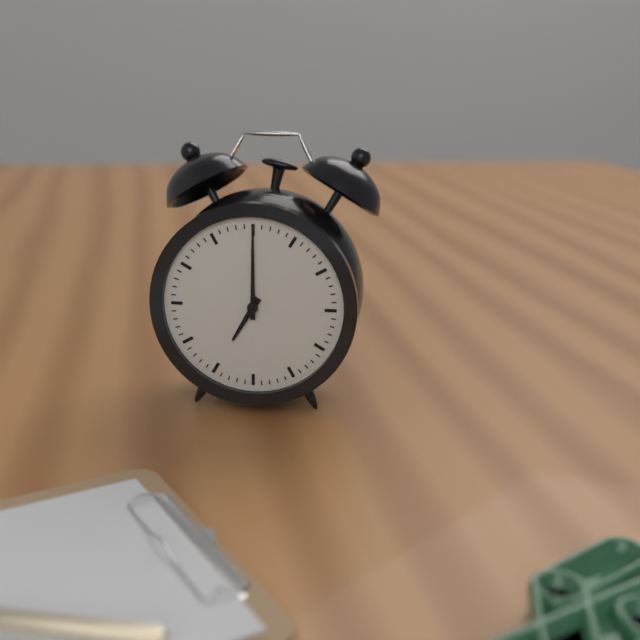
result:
7,00
